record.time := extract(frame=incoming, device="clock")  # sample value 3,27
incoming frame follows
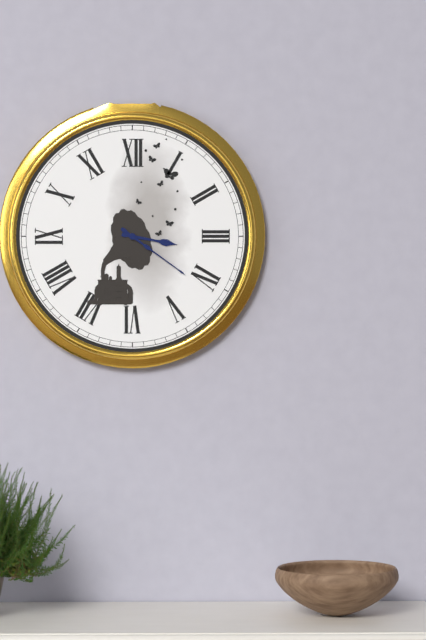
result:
3,21
